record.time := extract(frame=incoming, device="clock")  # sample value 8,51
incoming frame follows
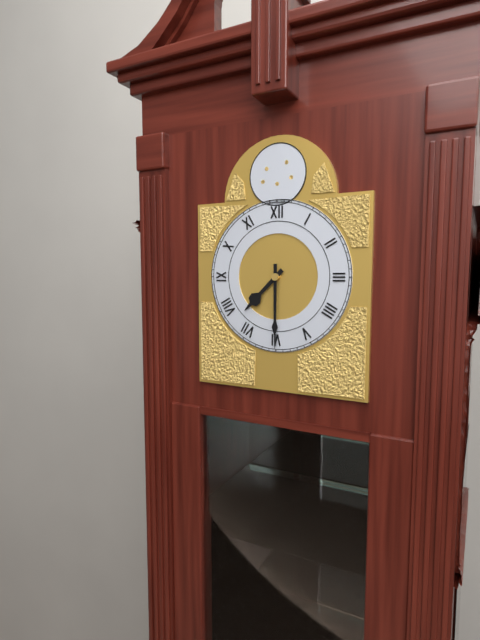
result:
7,30
